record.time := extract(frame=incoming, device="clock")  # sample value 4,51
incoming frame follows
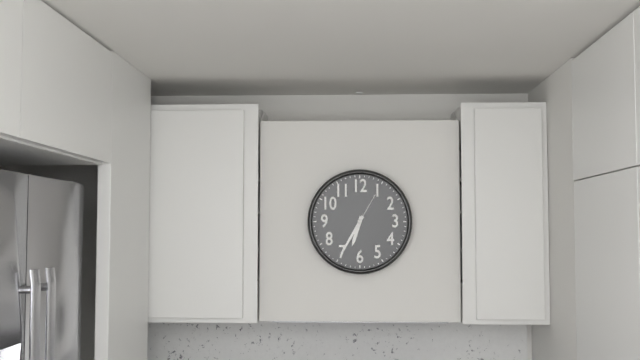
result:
6,35
